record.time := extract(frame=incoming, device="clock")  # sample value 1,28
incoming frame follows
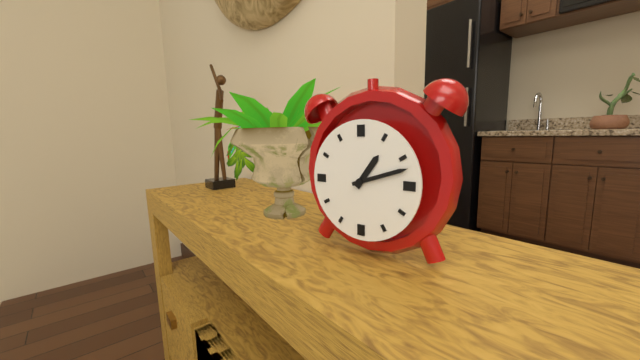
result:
1,12
